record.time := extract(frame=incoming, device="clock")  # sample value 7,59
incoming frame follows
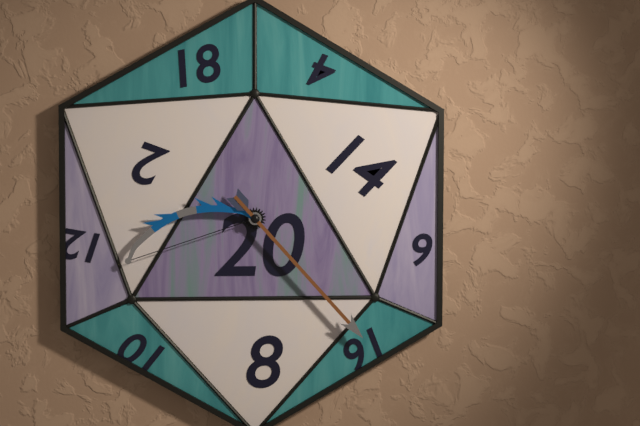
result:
8,23
